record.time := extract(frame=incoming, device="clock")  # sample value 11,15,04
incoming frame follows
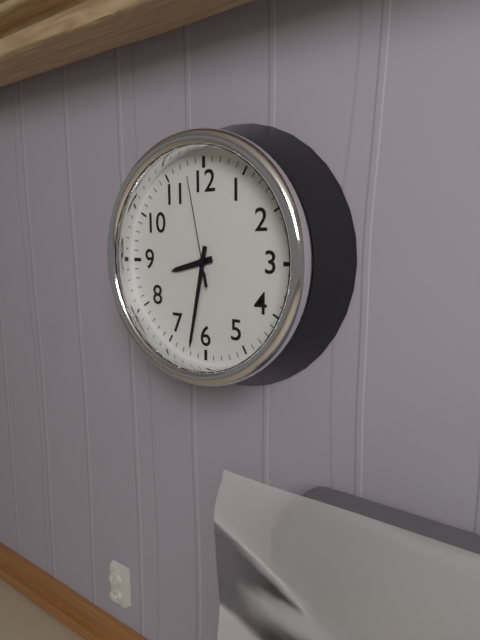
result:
8,32,58
